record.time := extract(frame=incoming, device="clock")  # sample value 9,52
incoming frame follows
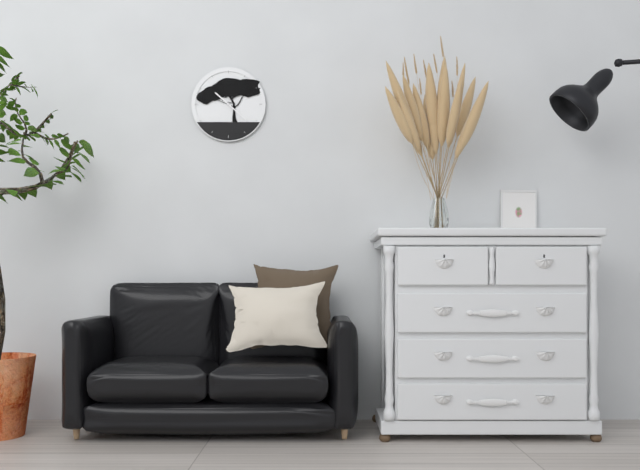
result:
10,22
